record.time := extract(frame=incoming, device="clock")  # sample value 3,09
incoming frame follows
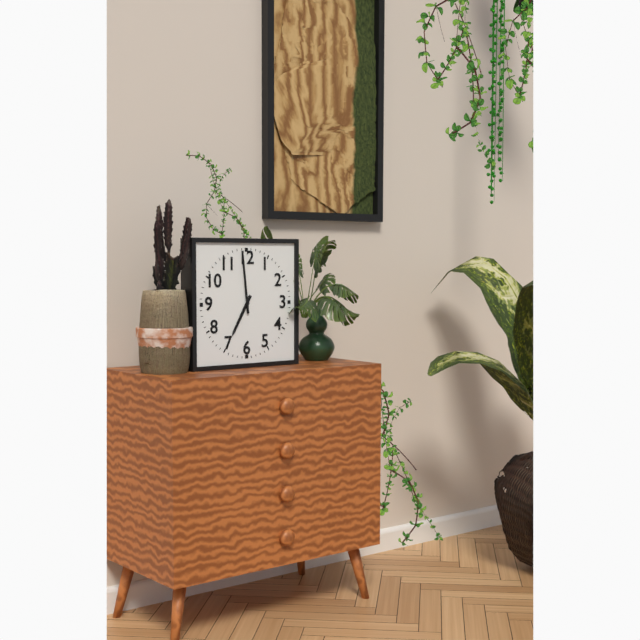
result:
6,59
